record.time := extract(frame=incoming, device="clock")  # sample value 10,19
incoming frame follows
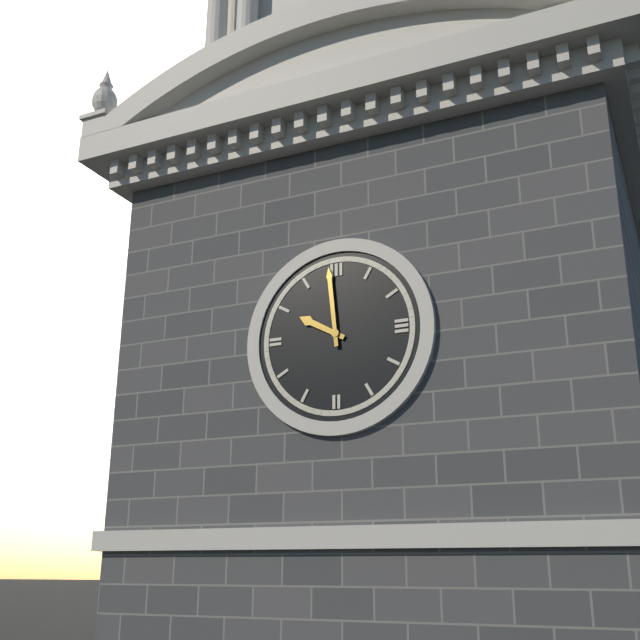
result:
9,59
